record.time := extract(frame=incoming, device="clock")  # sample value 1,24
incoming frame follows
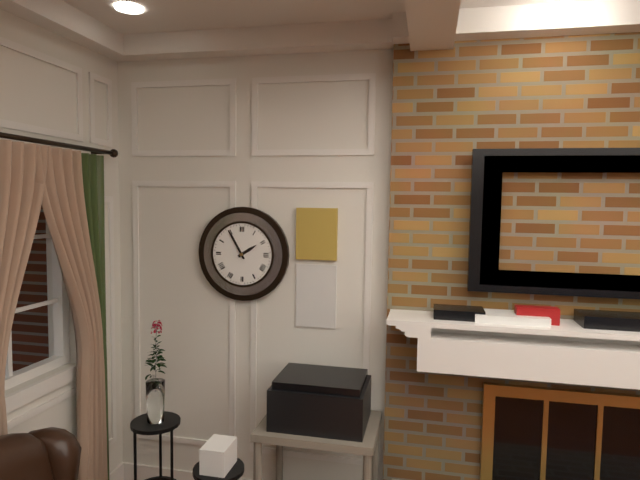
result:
1,55
